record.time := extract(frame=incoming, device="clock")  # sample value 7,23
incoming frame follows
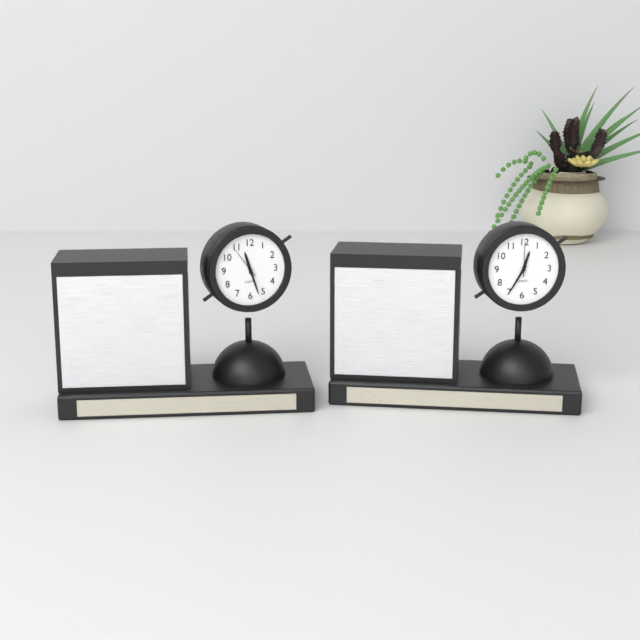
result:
11,27
